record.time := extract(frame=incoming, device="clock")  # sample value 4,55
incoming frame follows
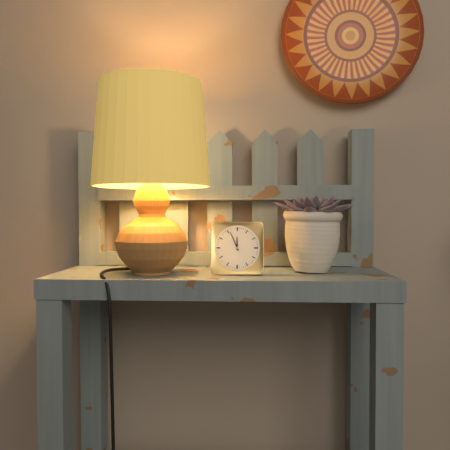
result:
11,56
